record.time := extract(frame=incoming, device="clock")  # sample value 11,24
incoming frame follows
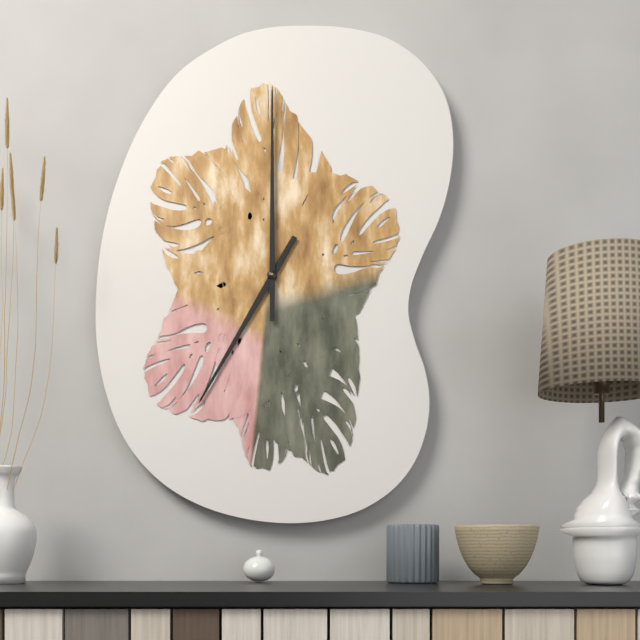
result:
7,00
